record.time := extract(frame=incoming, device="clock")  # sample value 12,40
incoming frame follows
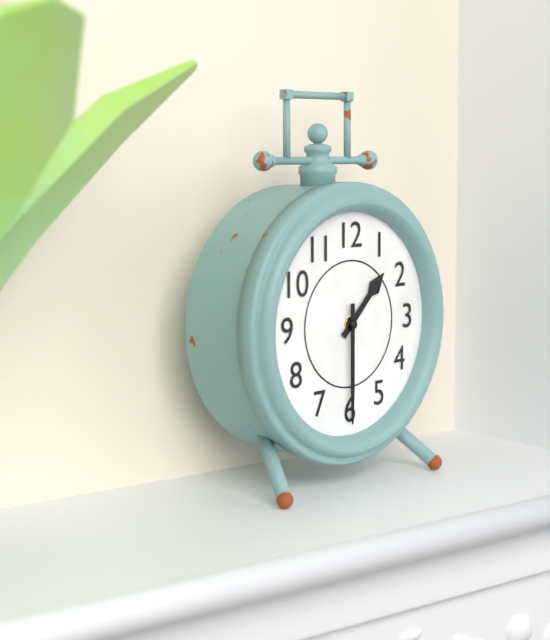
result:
1,30
